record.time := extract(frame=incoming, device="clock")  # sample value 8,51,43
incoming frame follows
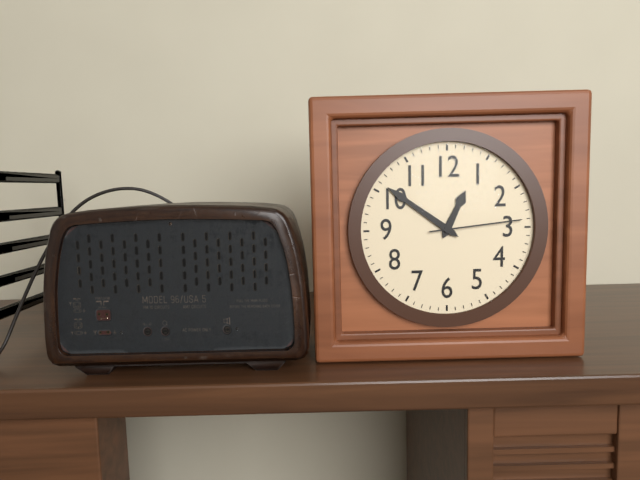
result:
12,51,14
